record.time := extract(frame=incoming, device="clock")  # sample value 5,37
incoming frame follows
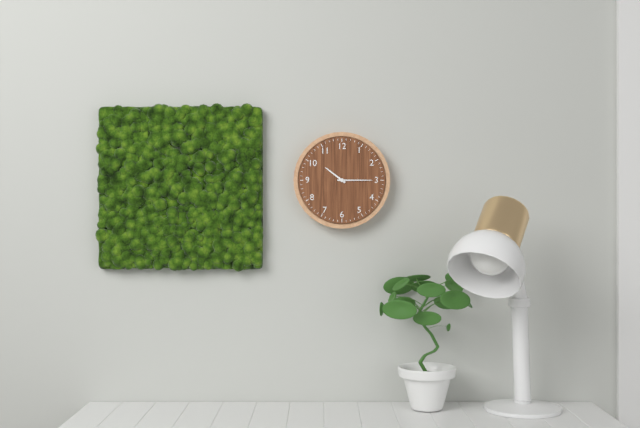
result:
10,15
